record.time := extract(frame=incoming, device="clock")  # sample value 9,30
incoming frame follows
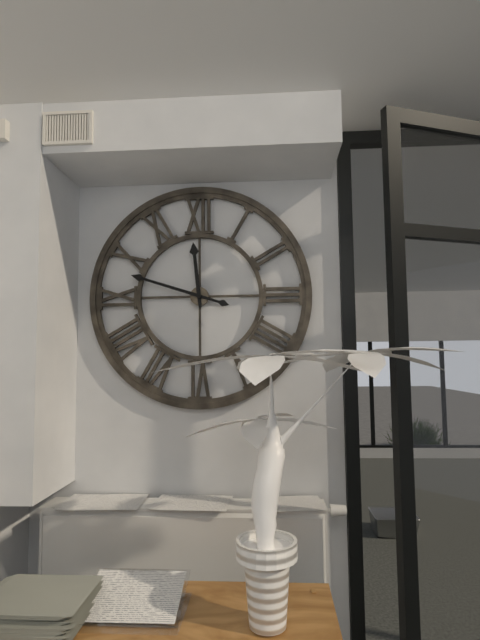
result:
11,48
